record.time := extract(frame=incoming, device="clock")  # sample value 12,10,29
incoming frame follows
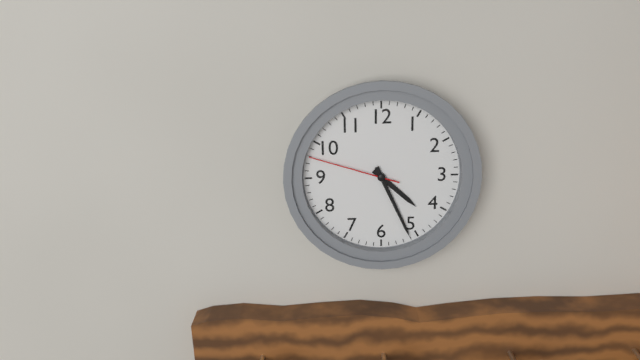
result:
4,26,48
